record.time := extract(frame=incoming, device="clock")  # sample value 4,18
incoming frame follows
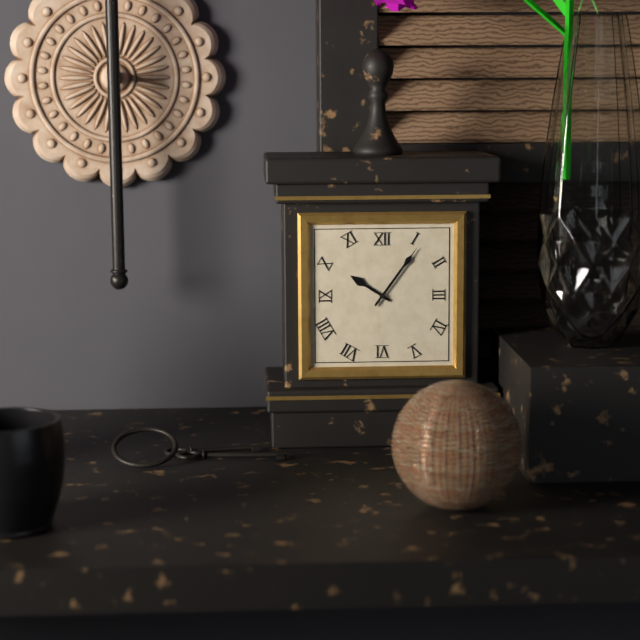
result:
10,06
